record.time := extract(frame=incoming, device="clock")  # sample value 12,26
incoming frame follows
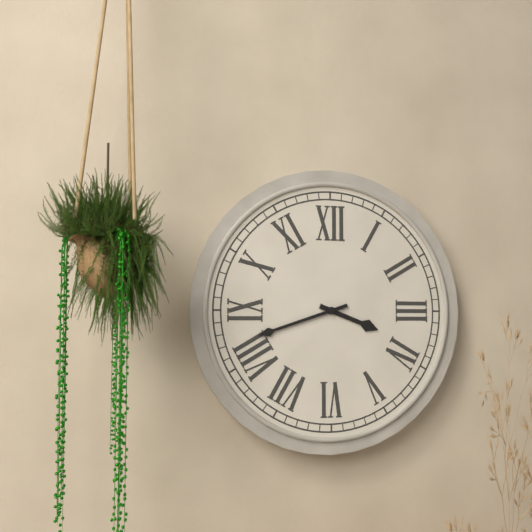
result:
3,42
